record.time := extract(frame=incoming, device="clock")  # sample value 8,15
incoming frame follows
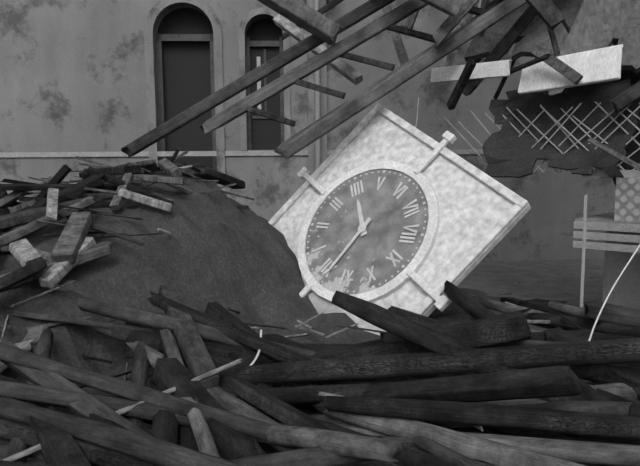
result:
3,59
